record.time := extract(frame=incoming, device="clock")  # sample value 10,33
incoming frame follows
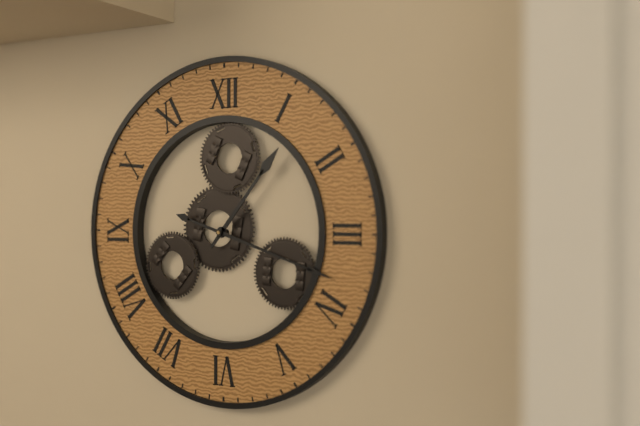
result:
1,18
